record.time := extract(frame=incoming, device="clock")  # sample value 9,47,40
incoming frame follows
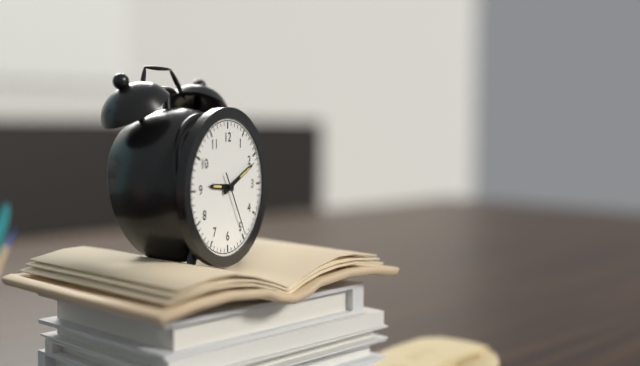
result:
9,11,25
